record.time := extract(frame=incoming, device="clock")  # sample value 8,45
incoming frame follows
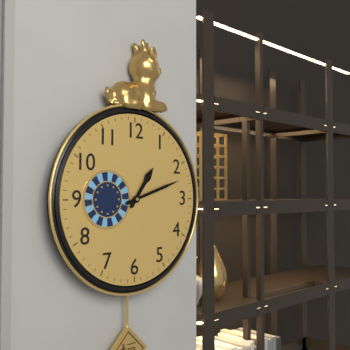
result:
1,12
